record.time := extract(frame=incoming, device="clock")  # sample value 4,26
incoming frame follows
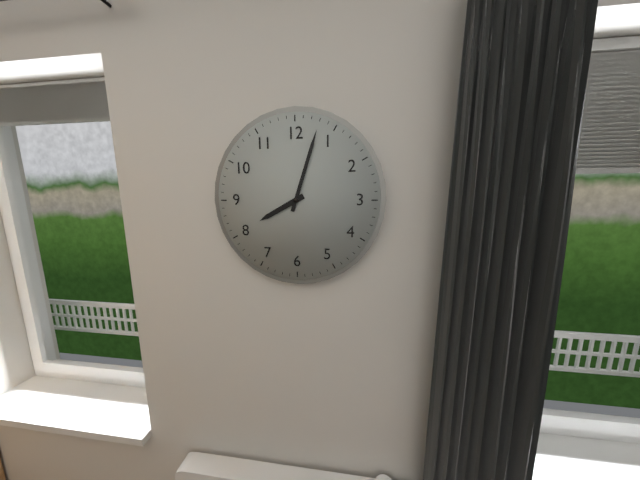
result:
8,03
